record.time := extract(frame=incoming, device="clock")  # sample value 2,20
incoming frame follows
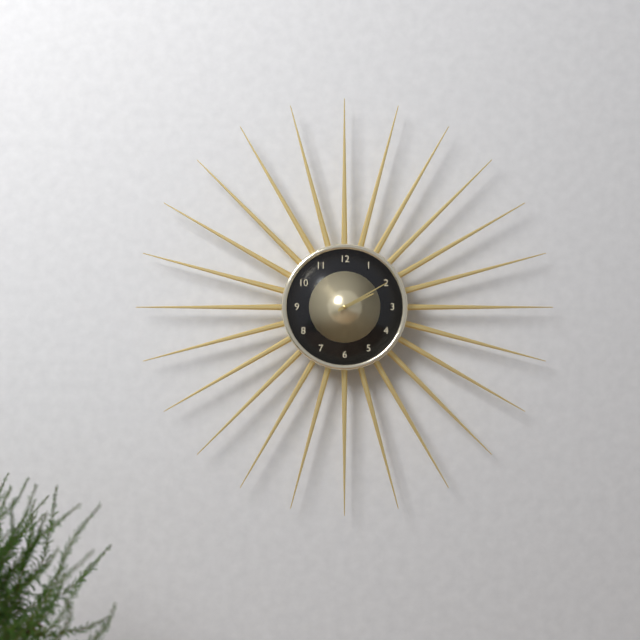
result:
2,10
